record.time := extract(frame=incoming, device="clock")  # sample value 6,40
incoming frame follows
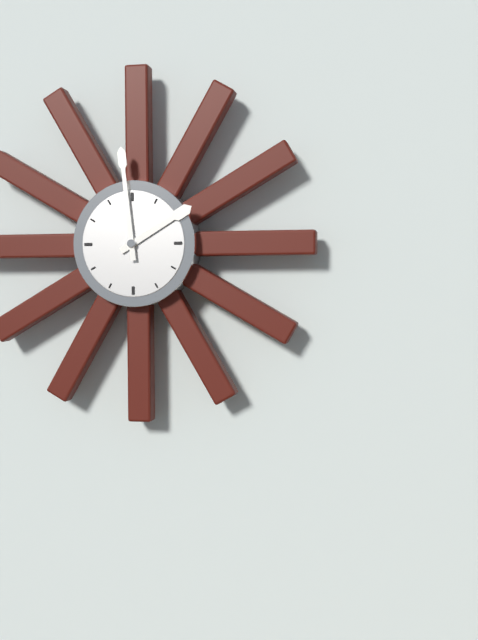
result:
1,59
